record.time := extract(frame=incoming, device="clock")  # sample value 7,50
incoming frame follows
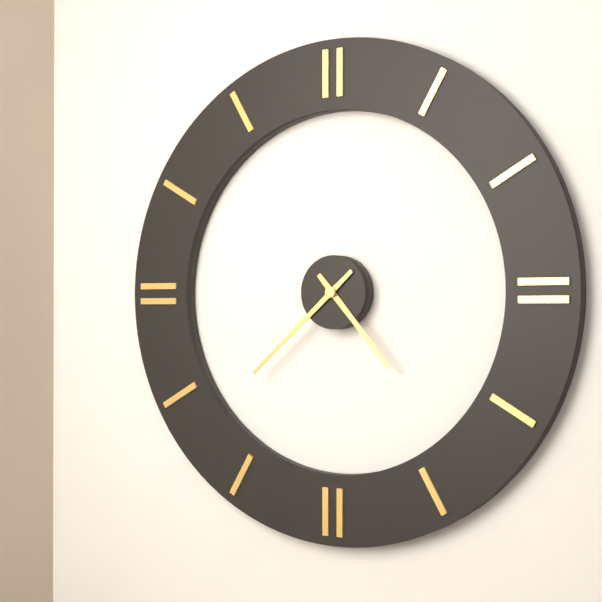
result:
4,38
